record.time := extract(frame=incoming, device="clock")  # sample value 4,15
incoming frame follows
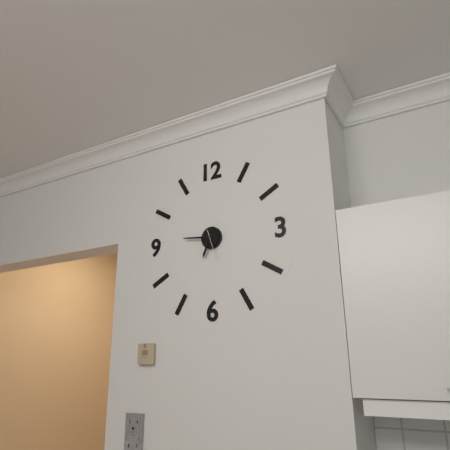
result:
6,46
